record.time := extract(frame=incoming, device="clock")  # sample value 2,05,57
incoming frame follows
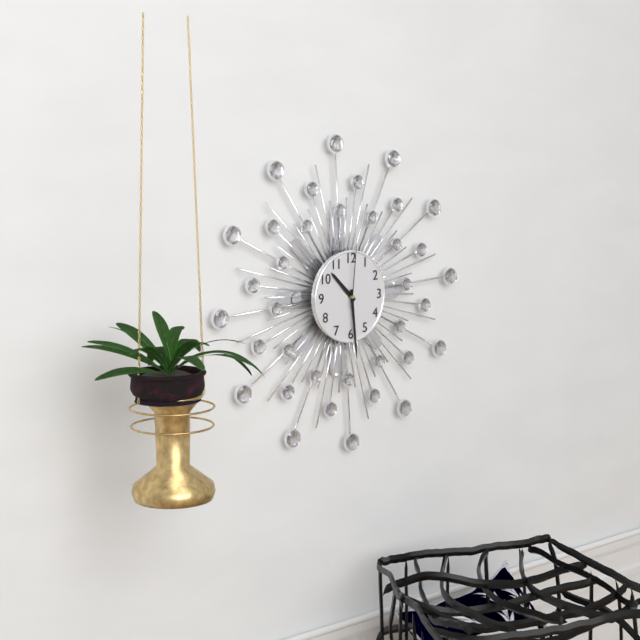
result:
10,29,01
